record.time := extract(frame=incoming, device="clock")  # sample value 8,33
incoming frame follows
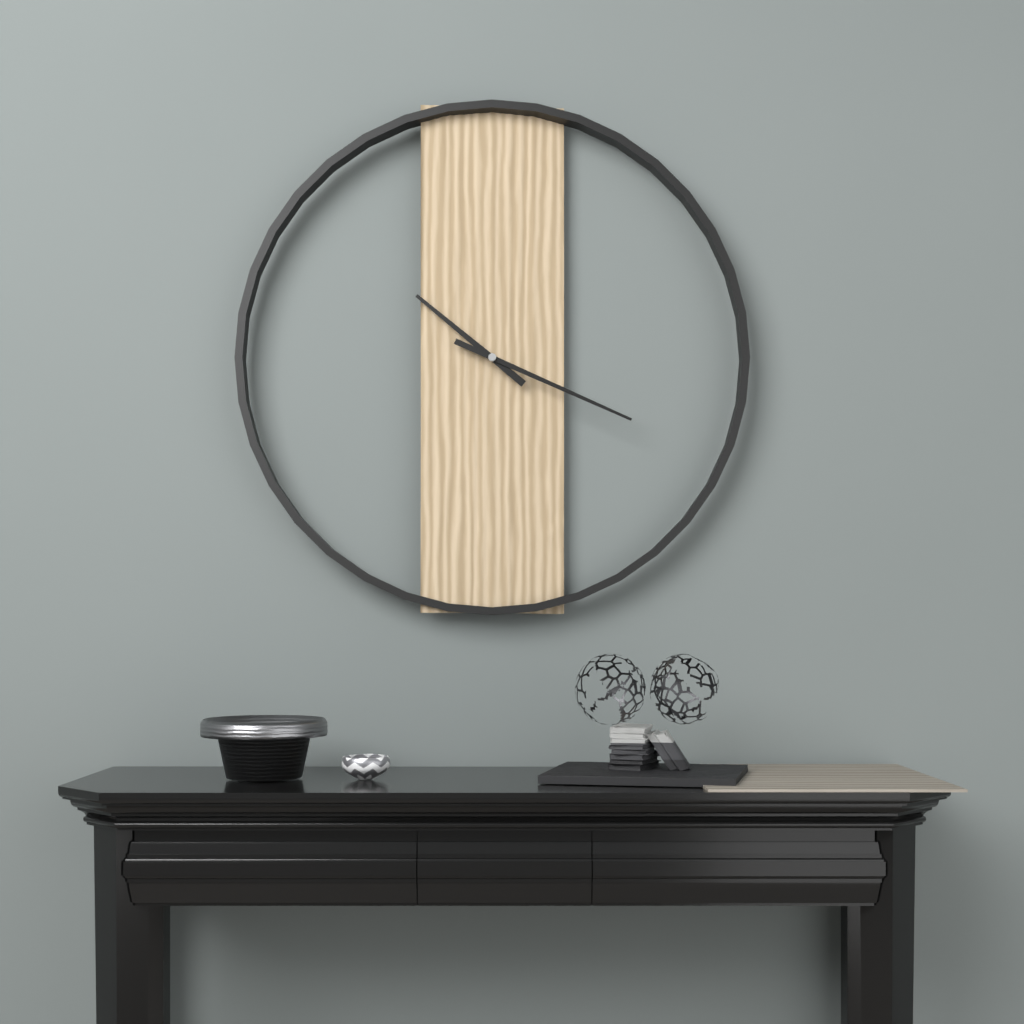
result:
10,19
